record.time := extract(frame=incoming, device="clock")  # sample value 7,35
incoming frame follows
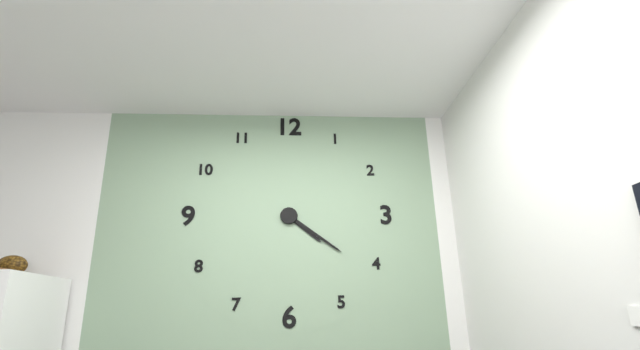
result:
4,21
